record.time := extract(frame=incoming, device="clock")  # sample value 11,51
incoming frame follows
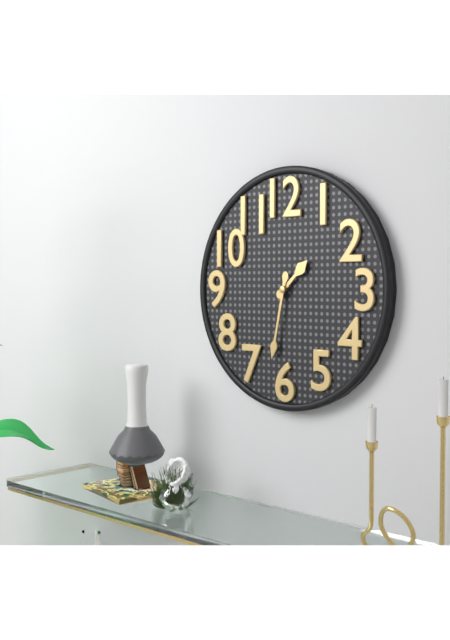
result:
1,32
